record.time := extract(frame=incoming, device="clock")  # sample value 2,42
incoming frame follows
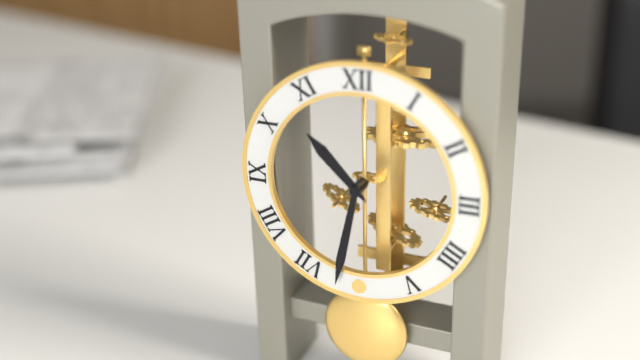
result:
10,32
